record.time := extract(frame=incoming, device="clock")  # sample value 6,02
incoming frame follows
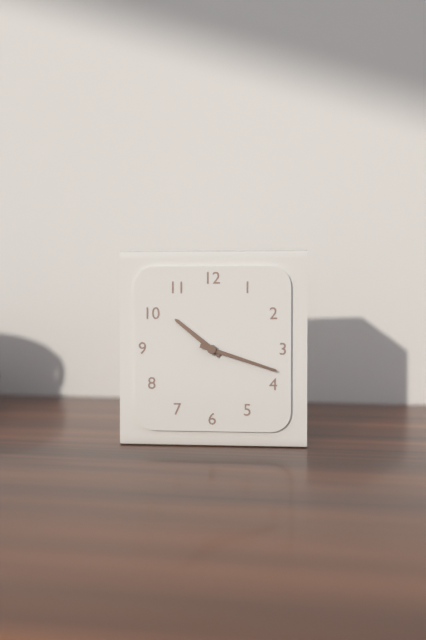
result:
10,18
